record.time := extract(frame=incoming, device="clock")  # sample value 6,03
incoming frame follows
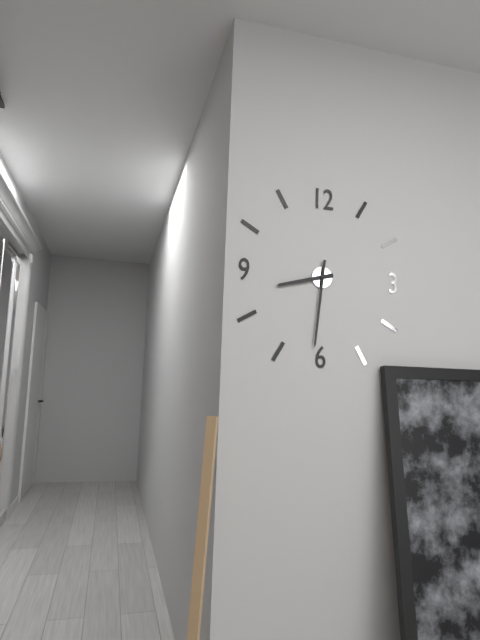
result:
8,31
